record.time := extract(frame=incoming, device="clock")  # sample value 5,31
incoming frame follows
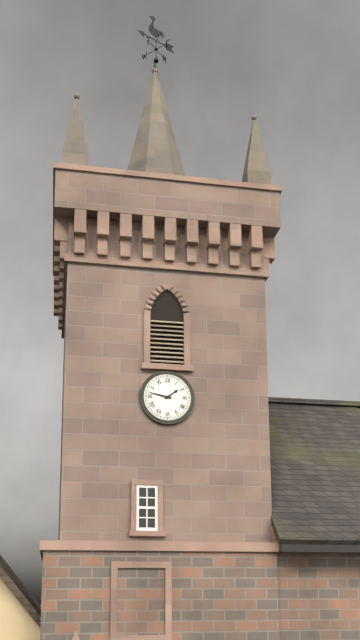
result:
1,47
